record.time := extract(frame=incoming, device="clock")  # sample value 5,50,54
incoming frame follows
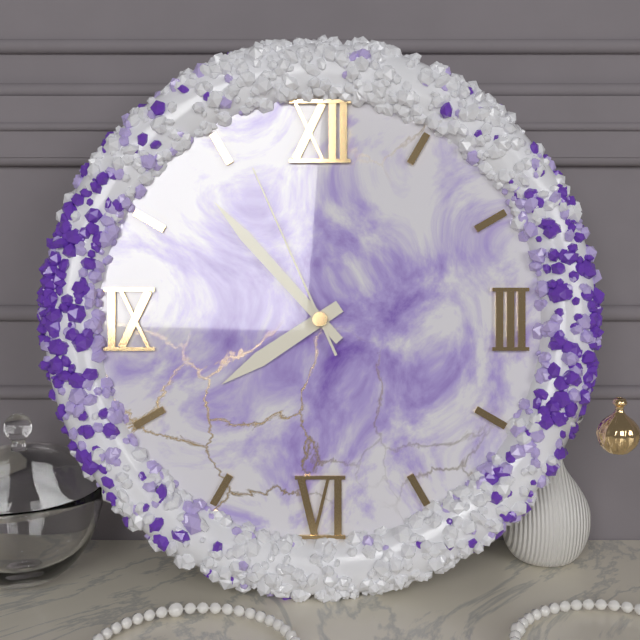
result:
7,53,56
